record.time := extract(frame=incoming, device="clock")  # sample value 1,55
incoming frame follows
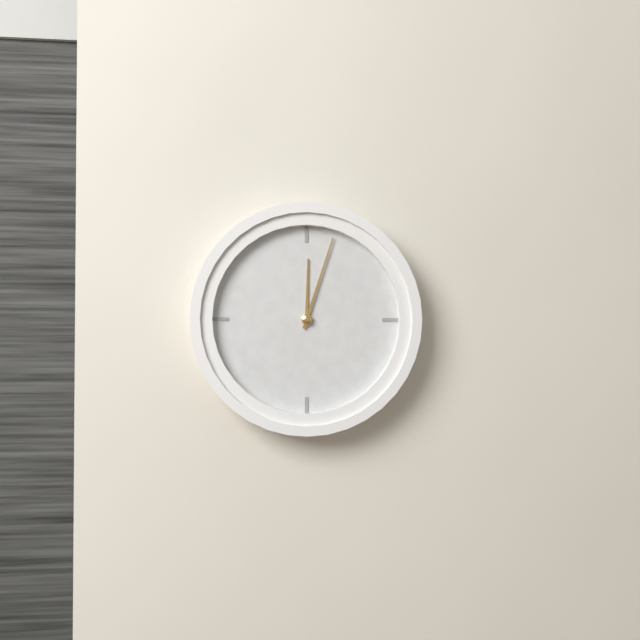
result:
12,03
